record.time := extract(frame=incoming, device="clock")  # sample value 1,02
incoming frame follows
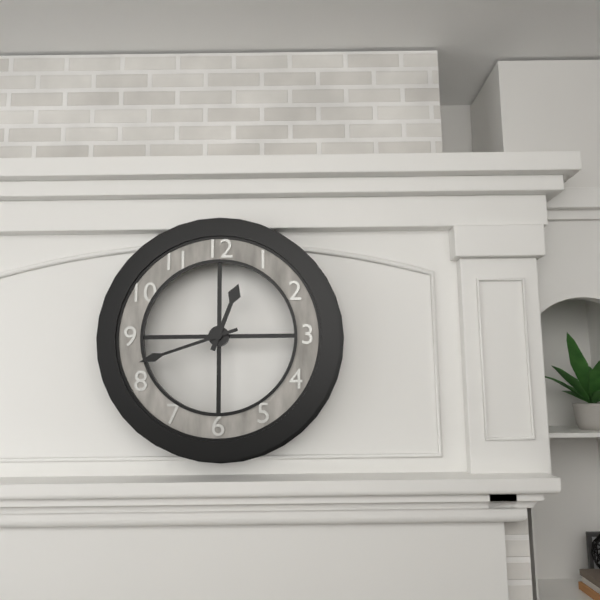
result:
12,42
